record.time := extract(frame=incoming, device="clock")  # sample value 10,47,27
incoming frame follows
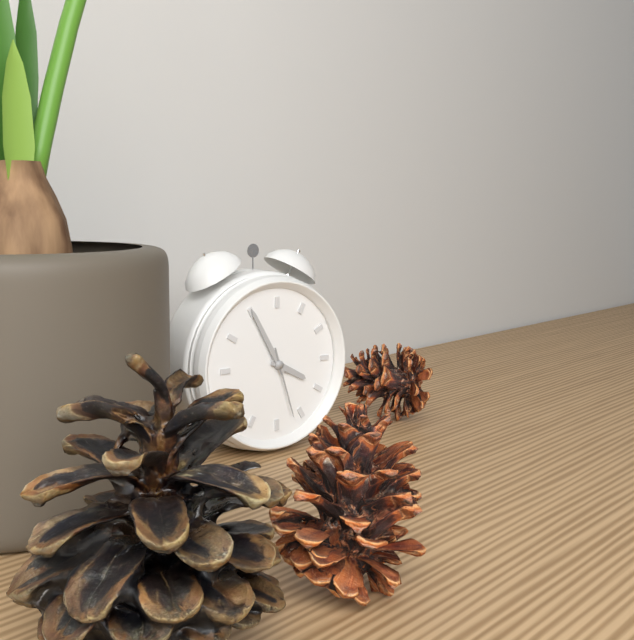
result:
3,55,27
